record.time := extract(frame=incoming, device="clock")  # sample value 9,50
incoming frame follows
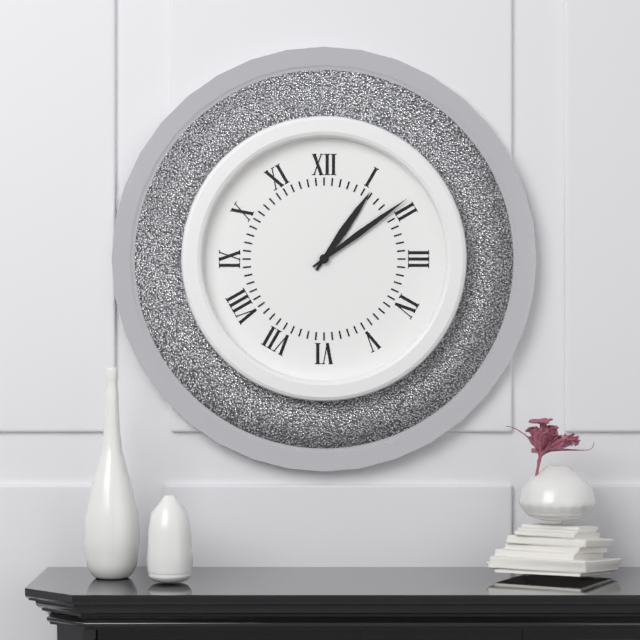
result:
1,09
